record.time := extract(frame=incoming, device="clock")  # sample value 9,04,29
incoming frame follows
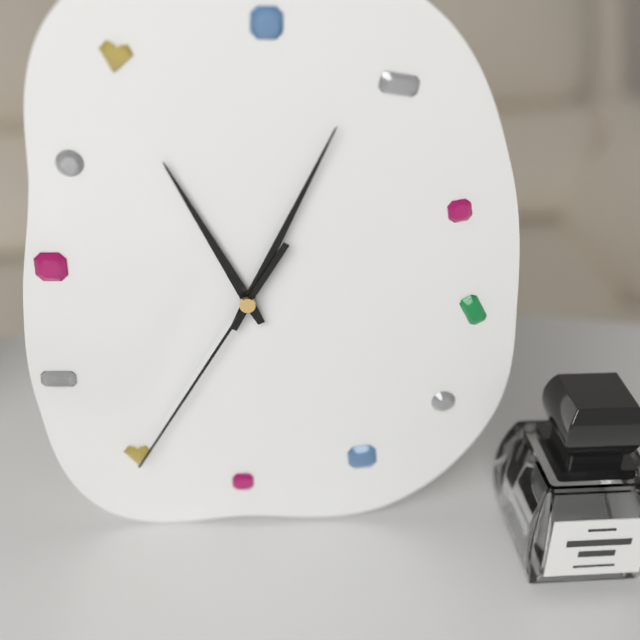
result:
11,04,35
